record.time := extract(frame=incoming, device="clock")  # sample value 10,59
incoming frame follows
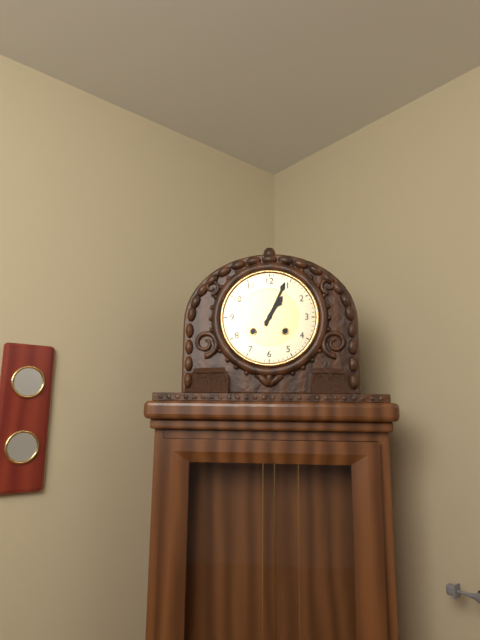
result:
1,04
